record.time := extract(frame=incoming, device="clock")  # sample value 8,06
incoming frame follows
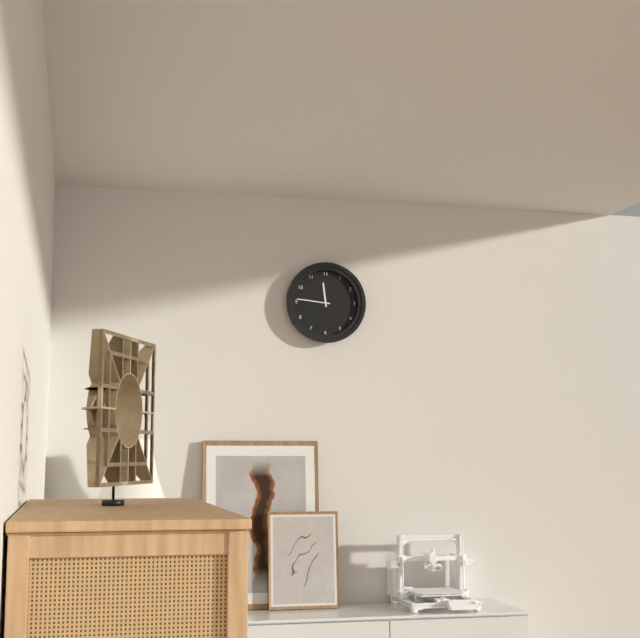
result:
11,46
